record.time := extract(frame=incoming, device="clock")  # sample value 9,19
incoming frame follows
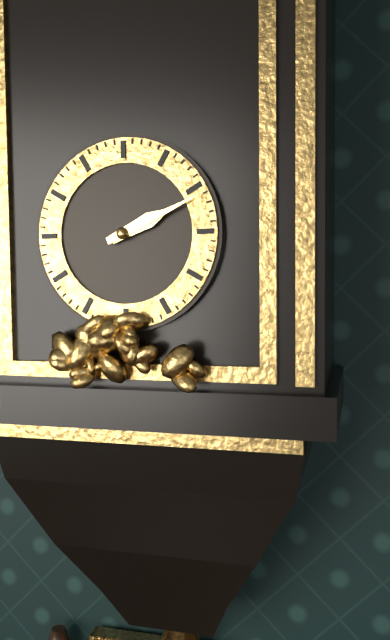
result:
2,11
